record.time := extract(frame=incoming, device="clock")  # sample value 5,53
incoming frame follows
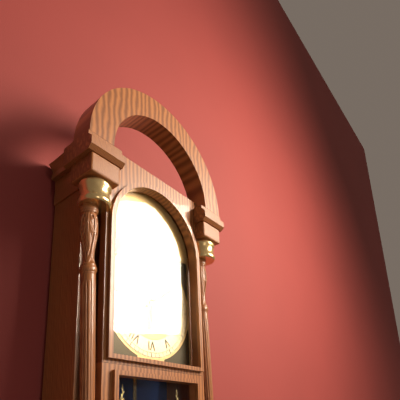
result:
6,09
